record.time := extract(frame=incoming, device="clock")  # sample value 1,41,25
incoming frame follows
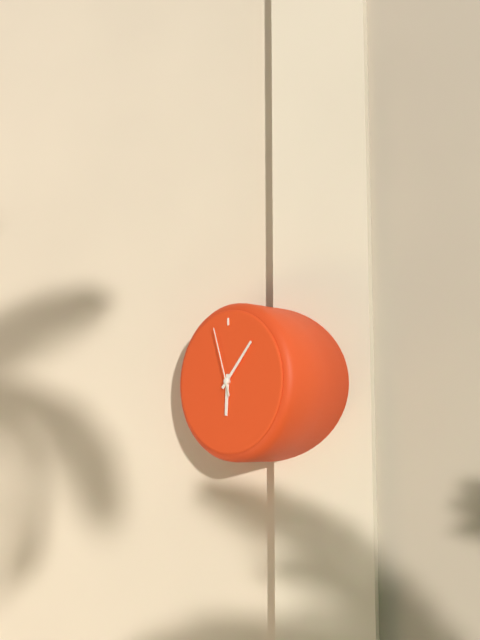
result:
6,07,57
